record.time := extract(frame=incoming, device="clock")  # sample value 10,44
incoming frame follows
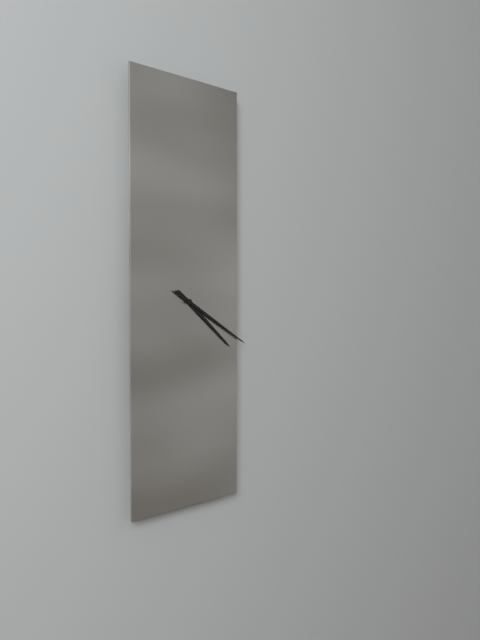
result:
4,20
